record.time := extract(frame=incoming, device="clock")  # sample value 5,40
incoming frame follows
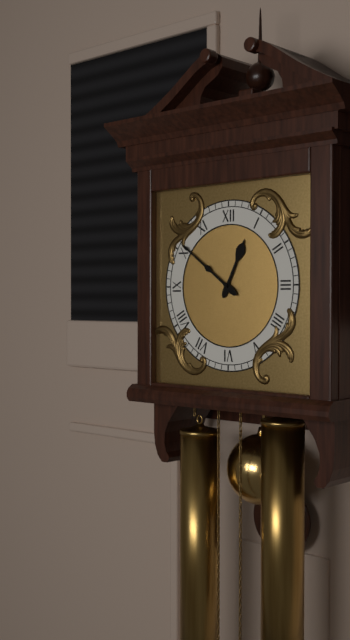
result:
12,51
